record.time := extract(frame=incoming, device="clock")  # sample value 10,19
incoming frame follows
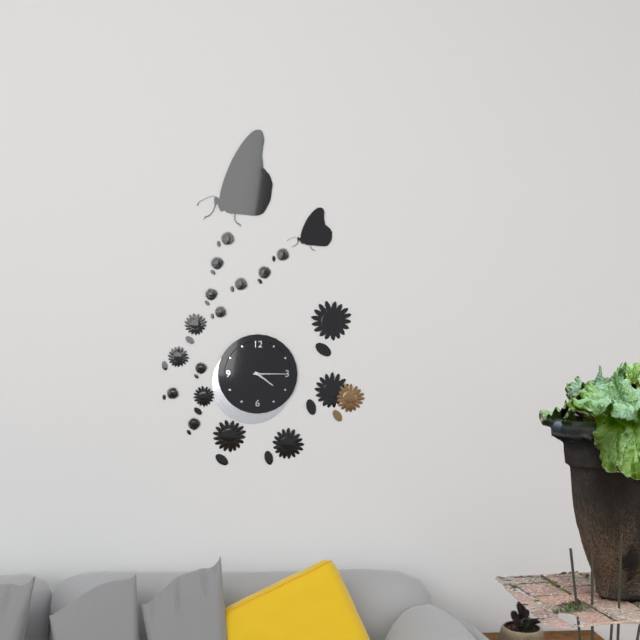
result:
4,15
